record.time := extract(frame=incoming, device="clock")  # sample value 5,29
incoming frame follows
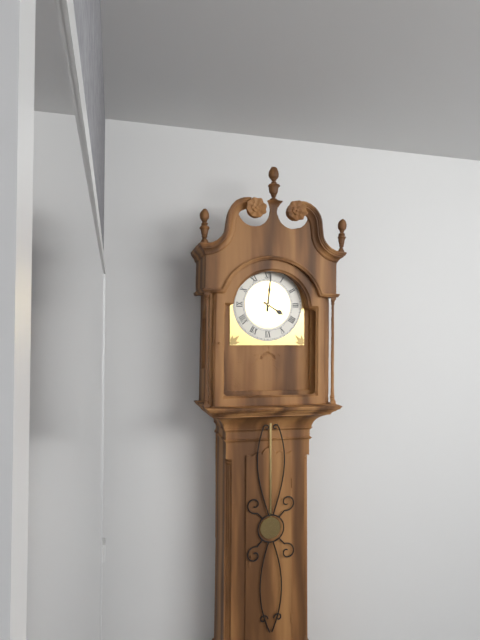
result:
4,01
